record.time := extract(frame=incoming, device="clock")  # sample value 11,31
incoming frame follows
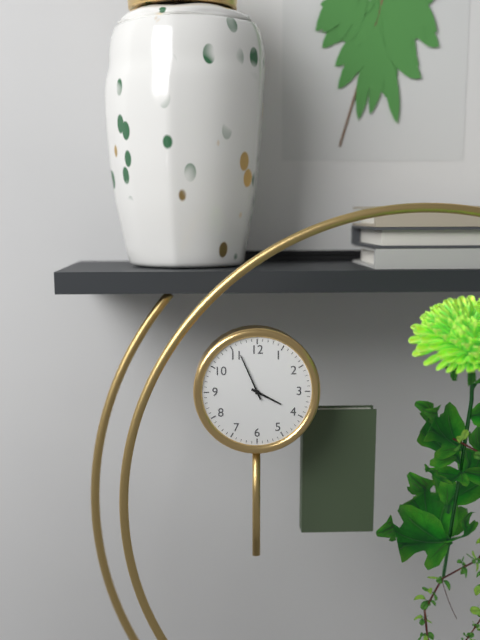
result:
3,56
